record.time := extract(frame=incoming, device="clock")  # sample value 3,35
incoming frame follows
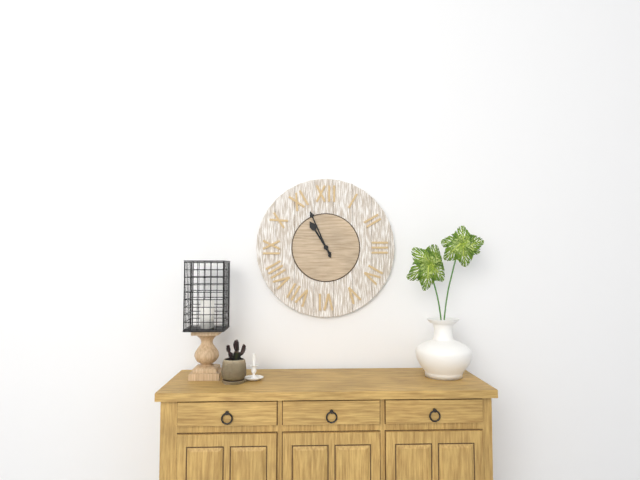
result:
10,56
